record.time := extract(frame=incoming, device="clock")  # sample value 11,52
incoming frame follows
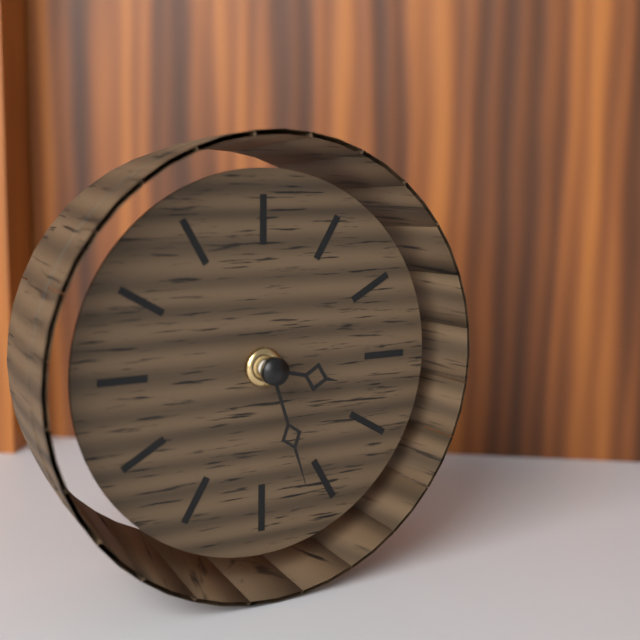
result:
3,27
